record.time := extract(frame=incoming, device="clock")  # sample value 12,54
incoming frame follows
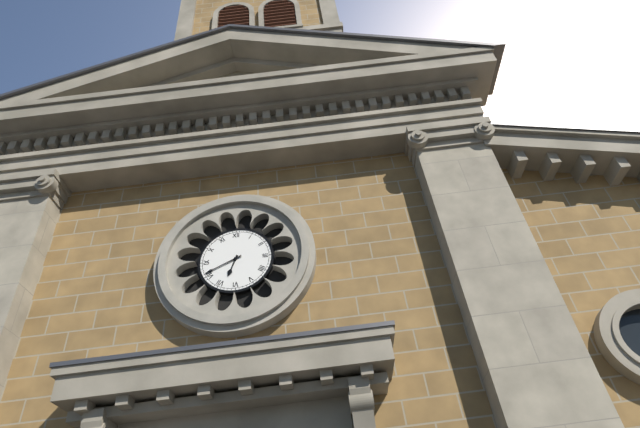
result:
6,41
